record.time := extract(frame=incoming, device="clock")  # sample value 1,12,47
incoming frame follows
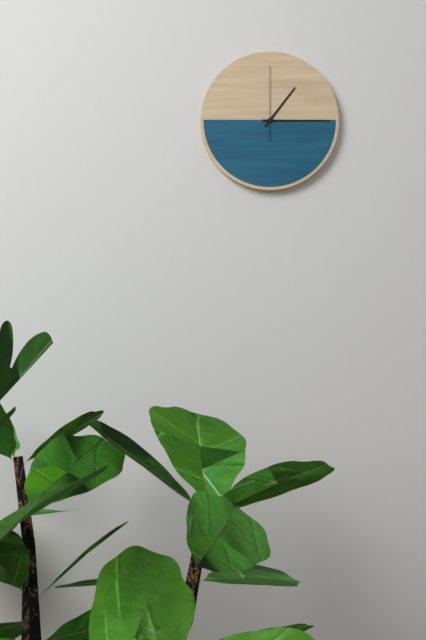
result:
1,15,00
